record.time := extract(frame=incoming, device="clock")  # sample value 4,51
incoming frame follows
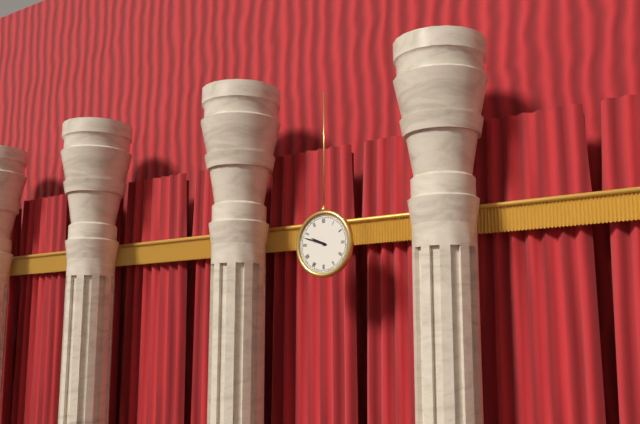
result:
9,48
